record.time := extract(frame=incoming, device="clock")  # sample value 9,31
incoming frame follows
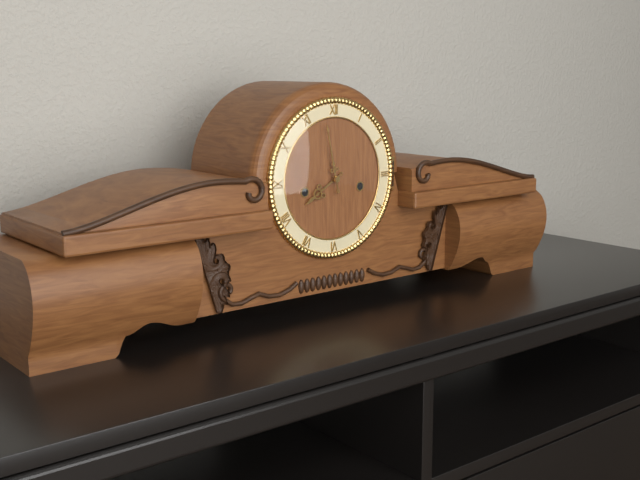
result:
7,58
